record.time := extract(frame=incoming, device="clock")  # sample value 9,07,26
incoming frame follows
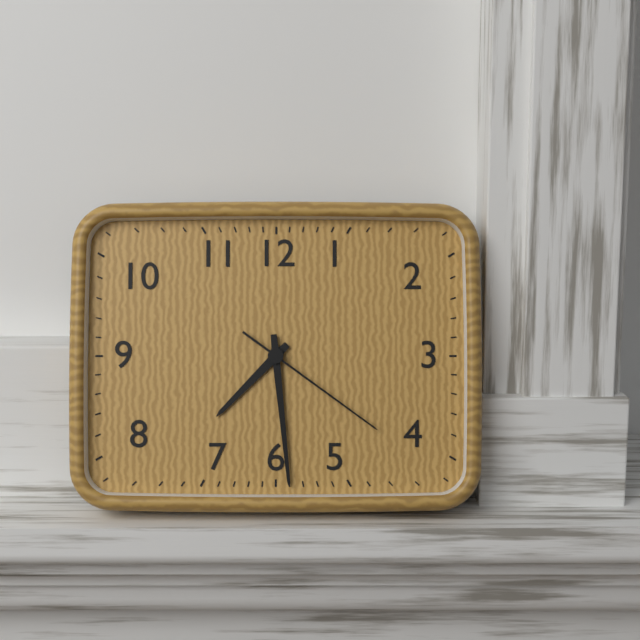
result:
7,29,21
